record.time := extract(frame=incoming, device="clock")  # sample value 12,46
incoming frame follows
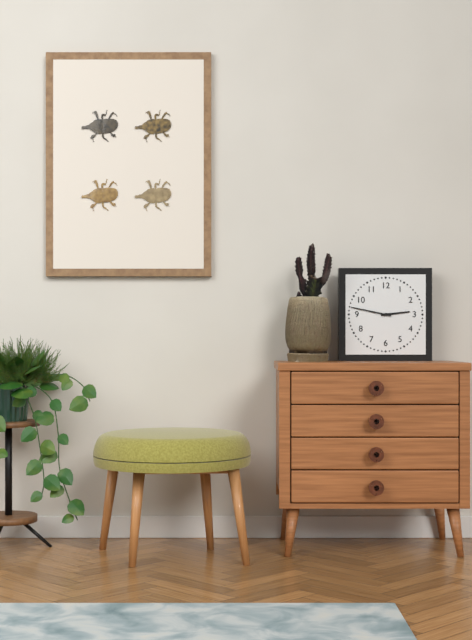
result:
2,47
